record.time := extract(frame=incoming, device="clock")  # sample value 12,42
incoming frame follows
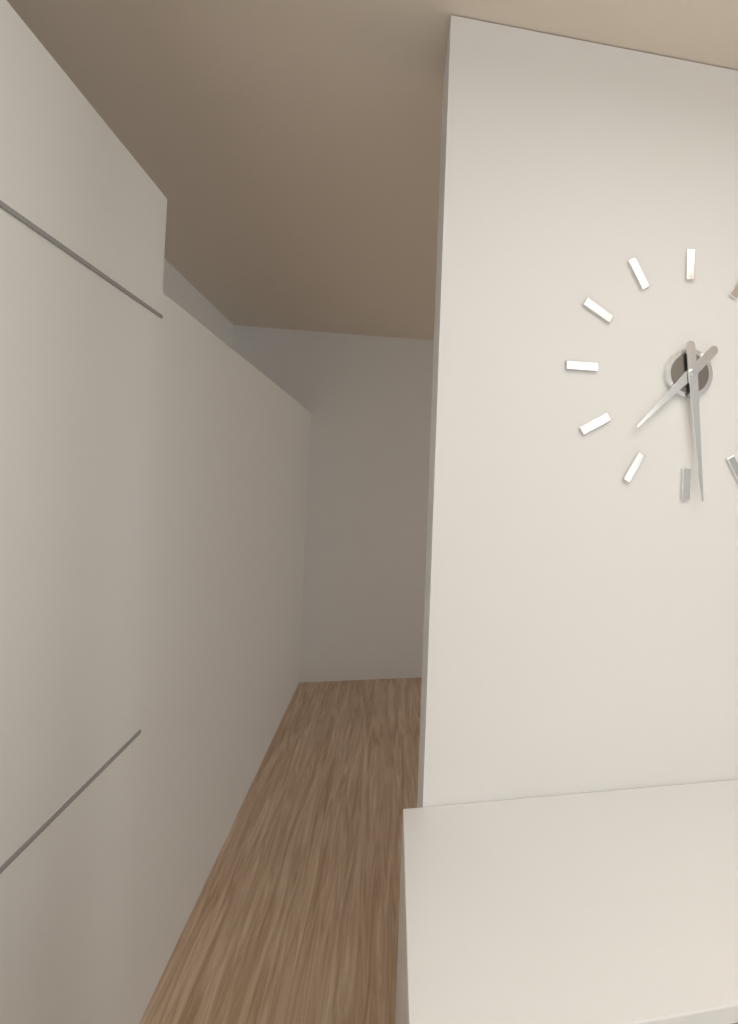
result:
7,29
